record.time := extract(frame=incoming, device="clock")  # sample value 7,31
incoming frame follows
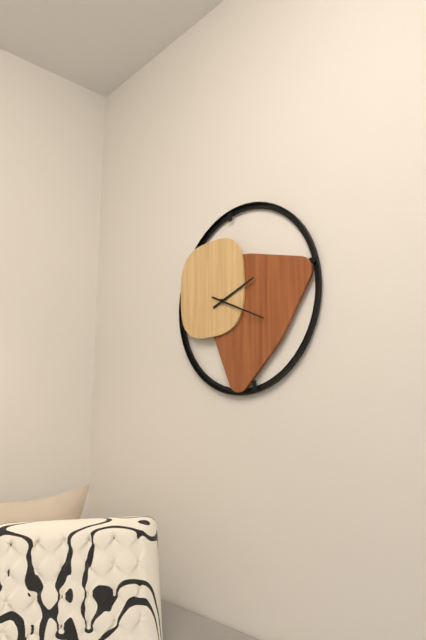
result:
2,19
